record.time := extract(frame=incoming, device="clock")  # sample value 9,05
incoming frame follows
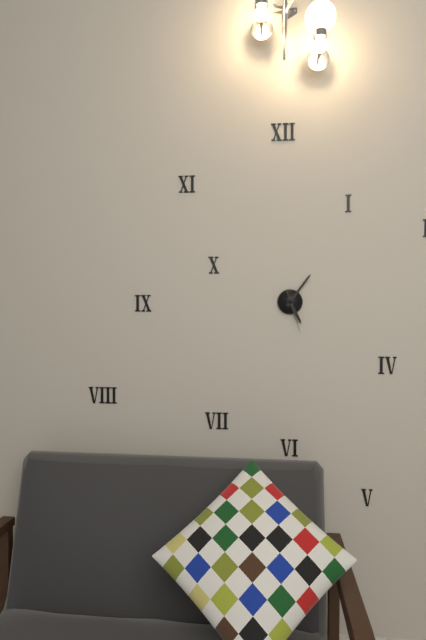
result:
5,06
